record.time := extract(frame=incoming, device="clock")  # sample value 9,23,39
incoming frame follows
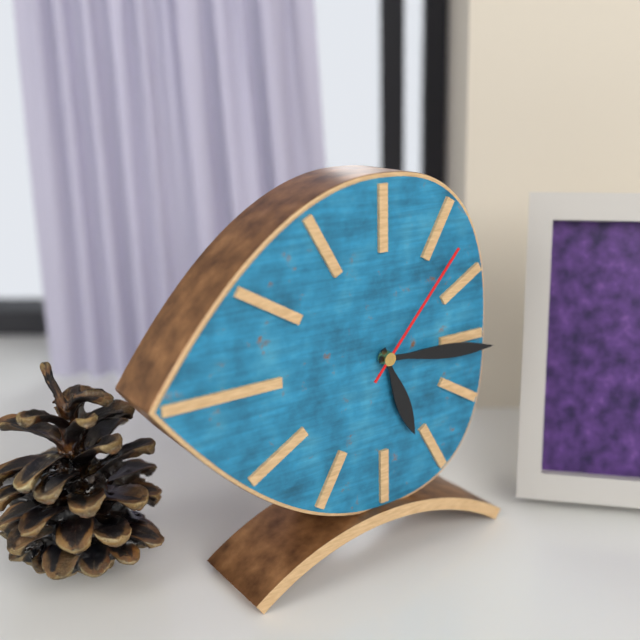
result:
5,16,07
